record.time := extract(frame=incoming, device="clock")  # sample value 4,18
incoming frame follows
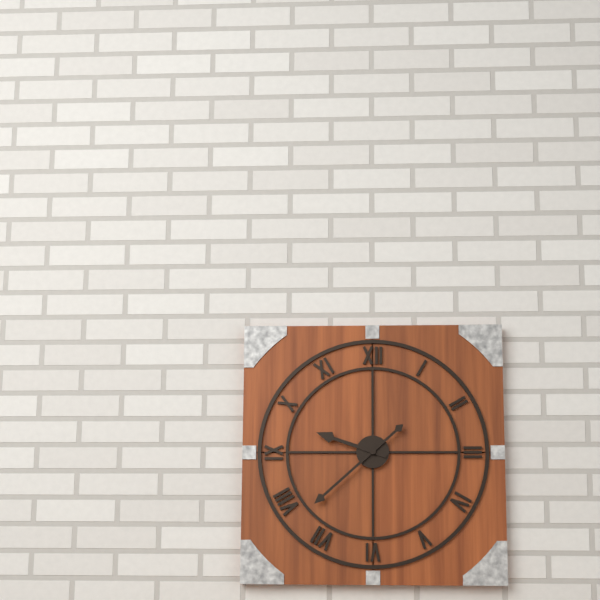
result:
9,38
